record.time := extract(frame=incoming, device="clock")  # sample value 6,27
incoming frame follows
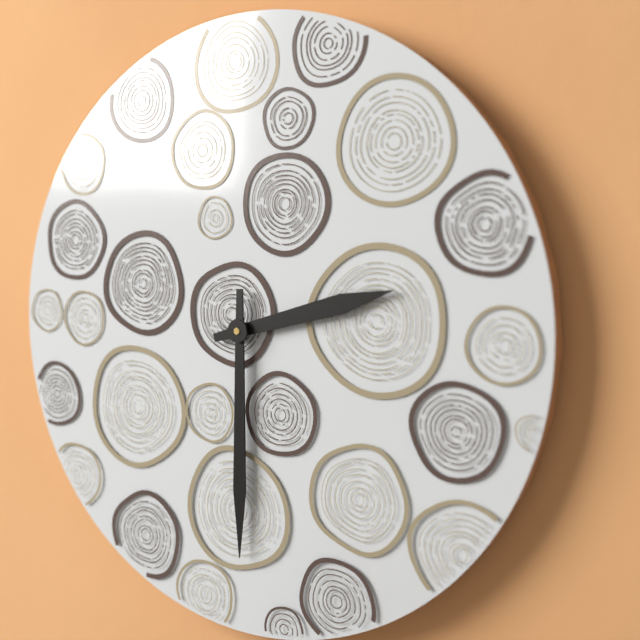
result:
2,30
